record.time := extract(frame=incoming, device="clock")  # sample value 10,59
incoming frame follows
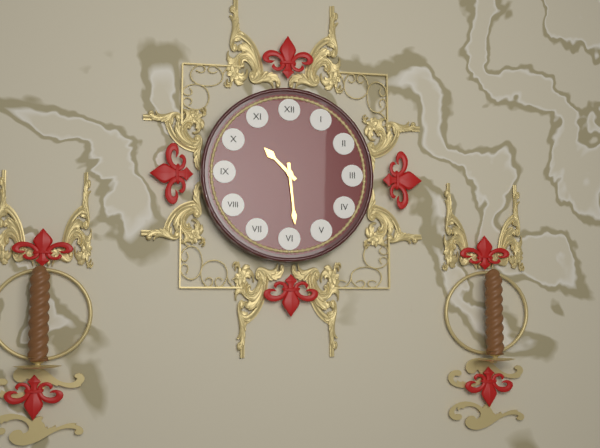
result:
10,29
